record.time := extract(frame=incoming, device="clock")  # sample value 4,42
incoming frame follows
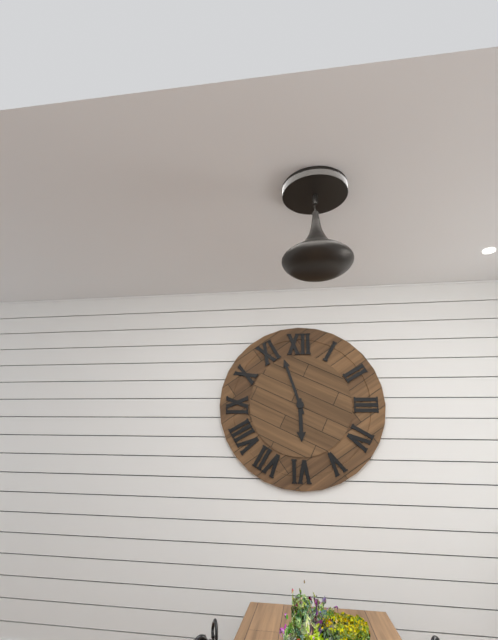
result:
5,57
